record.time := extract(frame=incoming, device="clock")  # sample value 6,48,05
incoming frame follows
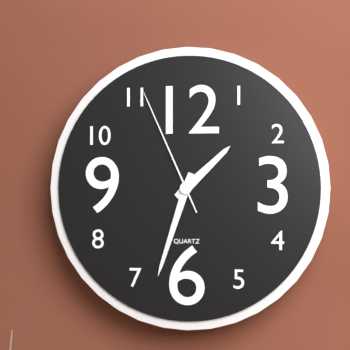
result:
1,33,56
